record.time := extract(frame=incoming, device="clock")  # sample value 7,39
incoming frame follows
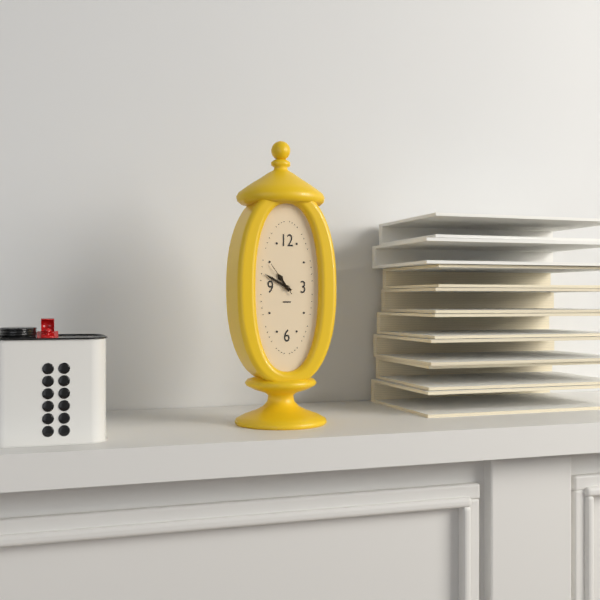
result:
10,50
